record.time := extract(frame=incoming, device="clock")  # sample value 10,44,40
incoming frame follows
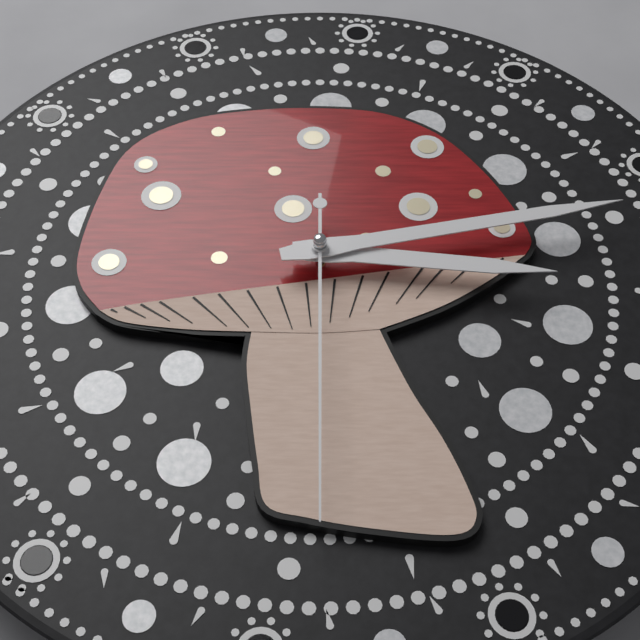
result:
3,13,30
